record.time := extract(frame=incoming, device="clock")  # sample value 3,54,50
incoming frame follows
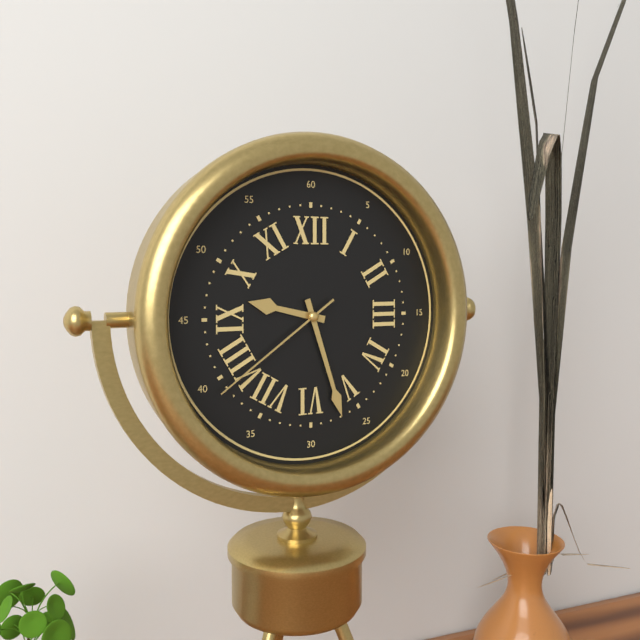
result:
9,27,39
